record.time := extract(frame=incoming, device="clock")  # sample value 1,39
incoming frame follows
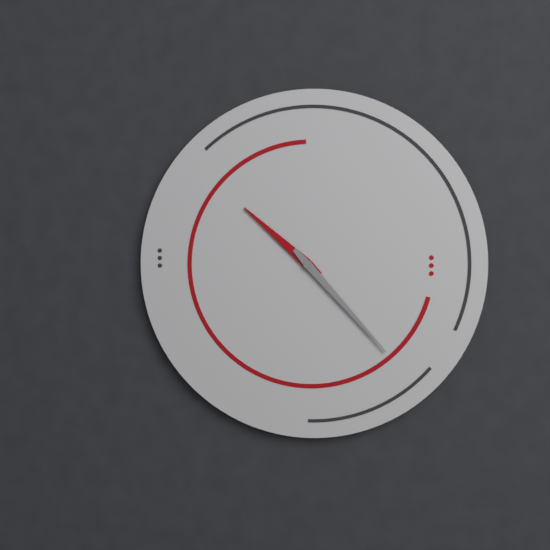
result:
10,23
